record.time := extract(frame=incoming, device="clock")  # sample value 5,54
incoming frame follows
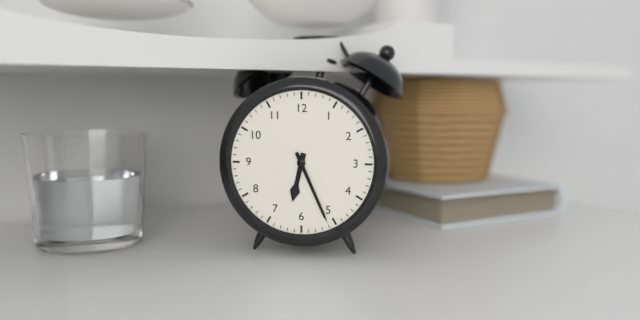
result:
6,26
